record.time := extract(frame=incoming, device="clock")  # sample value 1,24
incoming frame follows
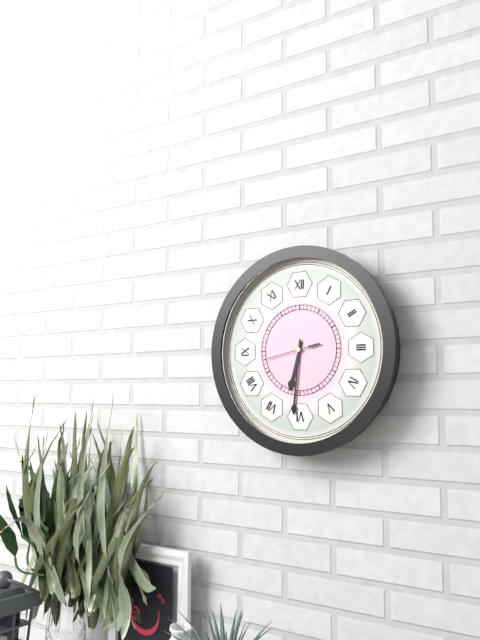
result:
6,31
